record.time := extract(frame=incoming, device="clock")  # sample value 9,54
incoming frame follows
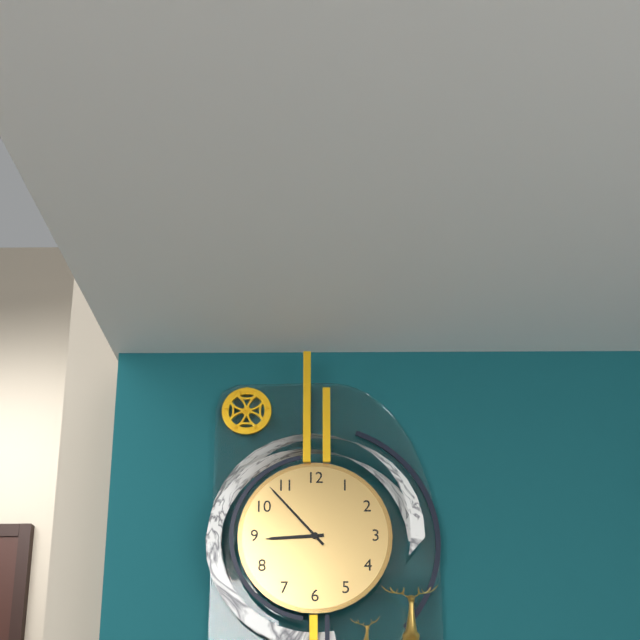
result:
8,53
